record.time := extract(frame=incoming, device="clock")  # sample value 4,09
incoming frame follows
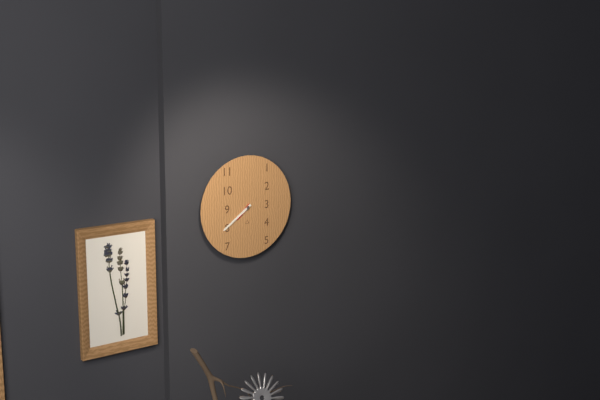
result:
7,39
